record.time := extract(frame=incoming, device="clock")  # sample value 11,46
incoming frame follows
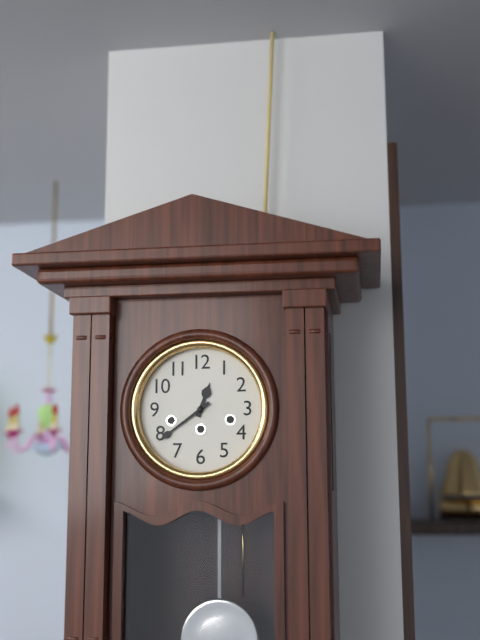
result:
12,39
